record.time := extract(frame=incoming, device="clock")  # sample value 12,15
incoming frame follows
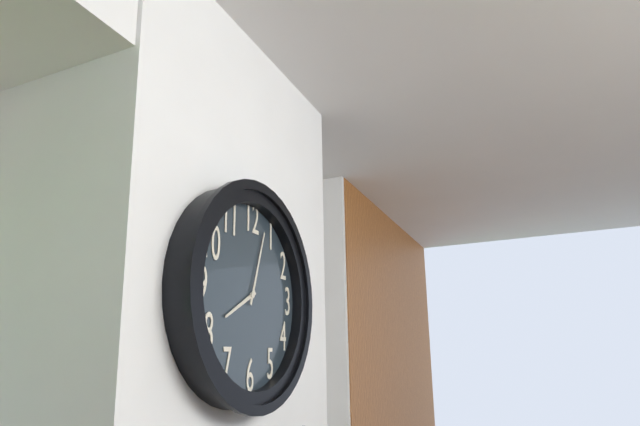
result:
8,03
